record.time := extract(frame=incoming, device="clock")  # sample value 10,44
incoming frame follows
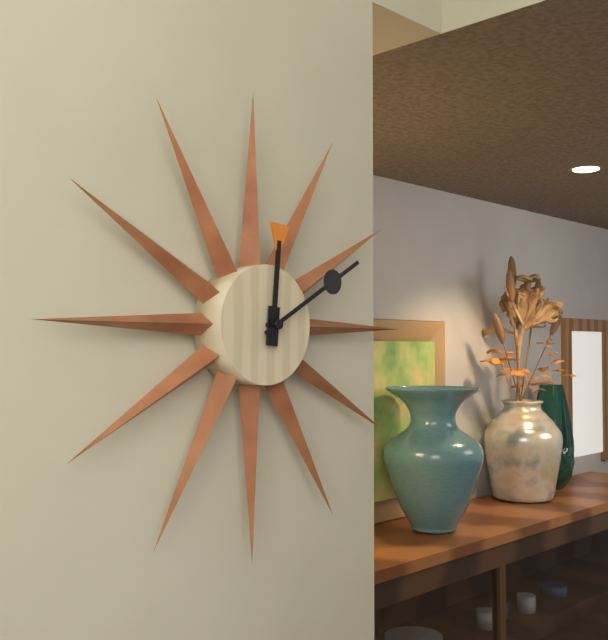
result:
12,10
